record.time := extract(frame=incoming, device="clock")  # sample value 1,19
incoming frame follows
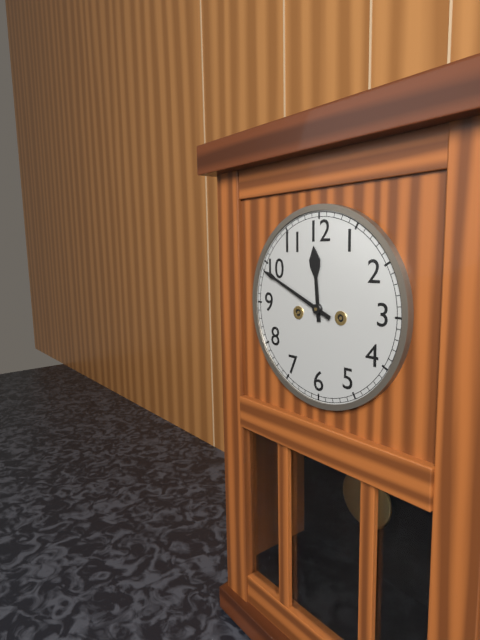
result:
11,49
